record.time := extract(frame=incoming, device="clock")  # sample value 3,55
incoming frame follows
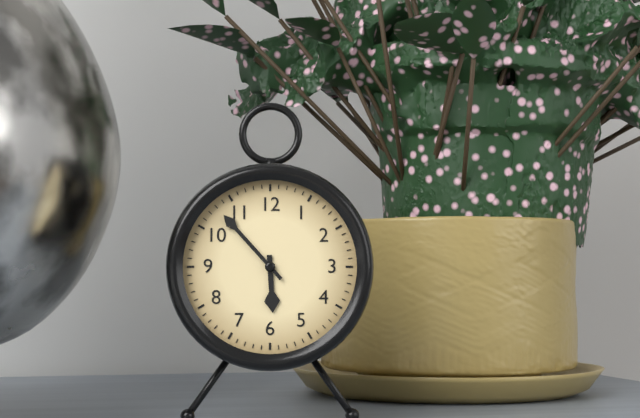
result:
5,53
